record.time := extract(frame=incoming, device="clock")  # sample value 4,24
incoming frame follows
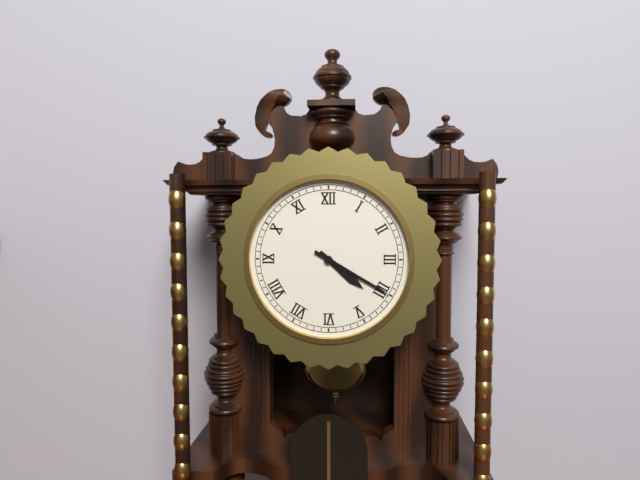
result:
4,20
